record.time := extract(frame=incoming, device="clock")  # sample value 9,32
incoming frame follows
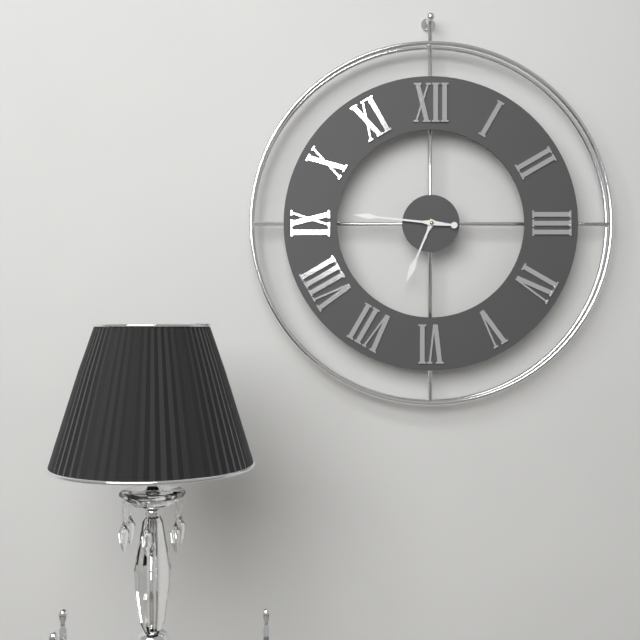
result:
6,46
